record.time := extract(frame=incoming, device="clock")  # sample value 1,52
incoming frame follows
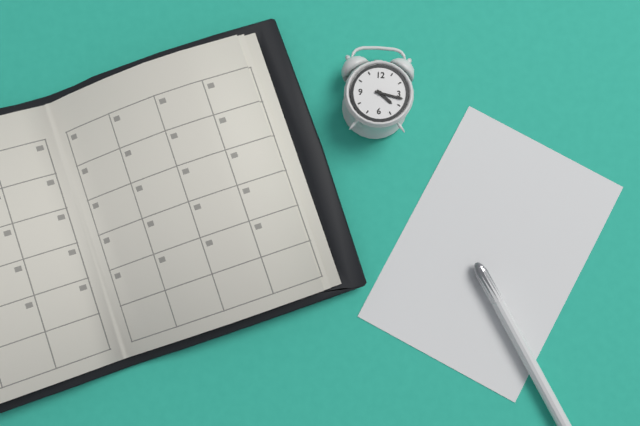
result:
4,17
